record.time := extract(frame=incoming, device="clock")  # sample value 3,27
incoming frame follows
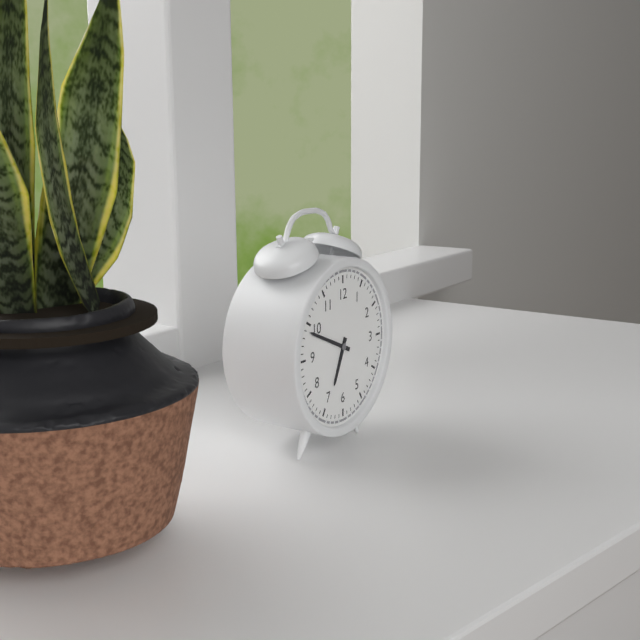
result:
6,49
